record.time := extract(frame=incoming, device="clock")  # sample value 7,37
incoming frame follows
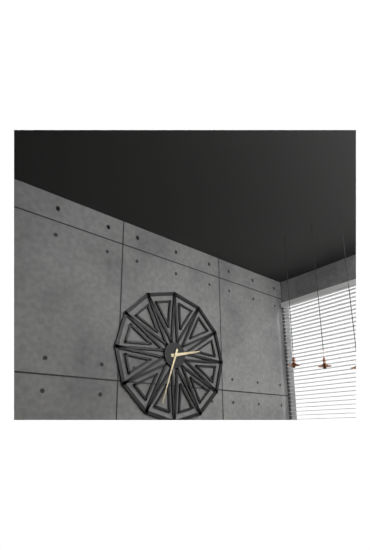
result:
2,33
